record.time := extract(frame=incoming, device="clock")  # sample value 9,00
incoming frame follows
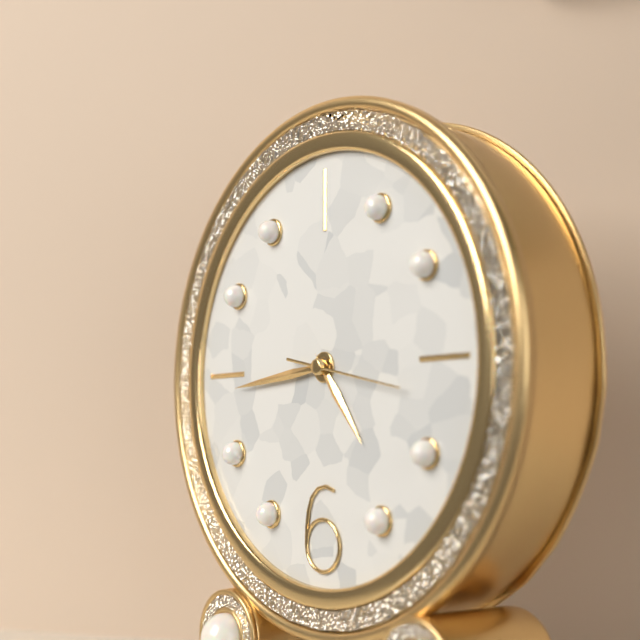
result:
4,44
